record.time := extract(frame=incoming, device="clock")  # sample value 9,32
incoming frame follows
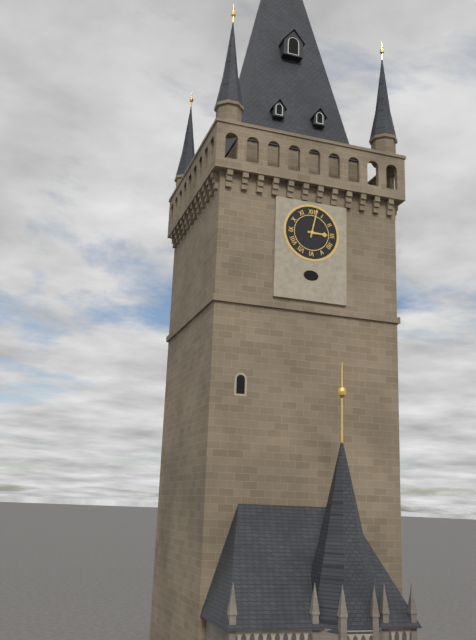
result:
3,02
